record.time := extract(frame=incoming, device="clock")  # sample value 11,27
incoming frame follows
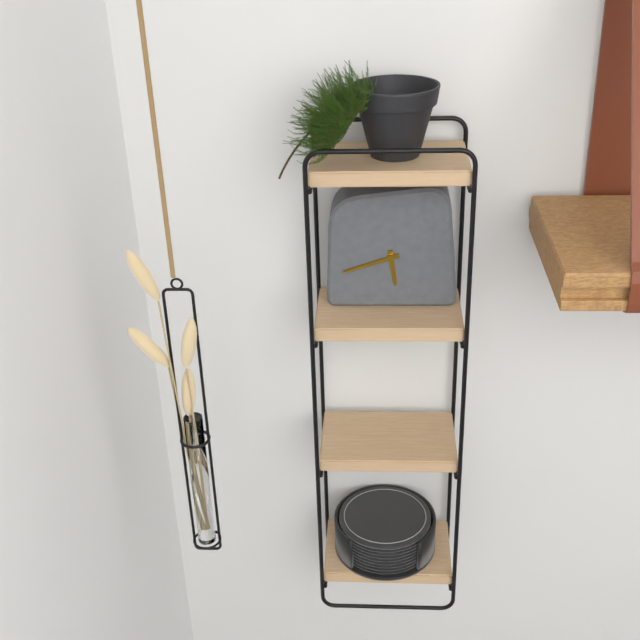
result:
5,42
